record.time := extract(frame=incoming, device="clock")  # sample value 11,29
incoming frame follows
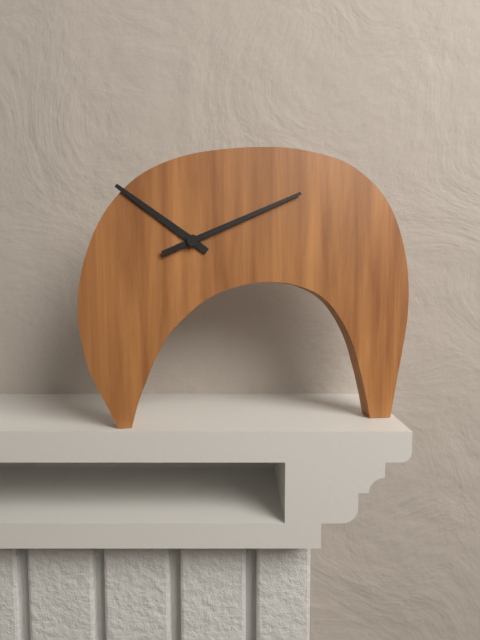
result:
10,11
